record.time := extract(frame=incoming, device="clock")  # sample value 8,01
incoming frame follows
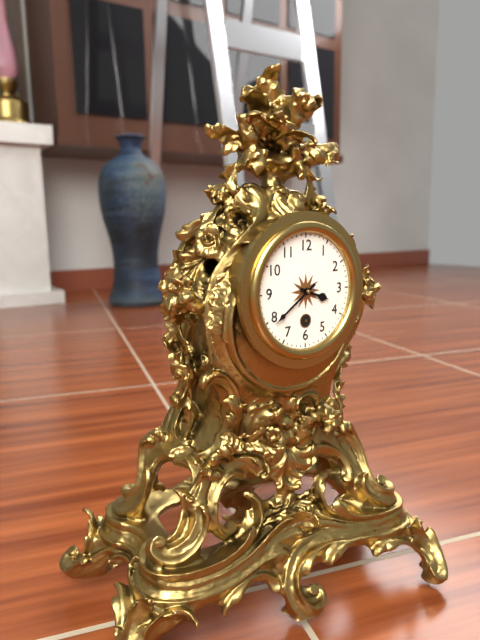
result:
3,39
